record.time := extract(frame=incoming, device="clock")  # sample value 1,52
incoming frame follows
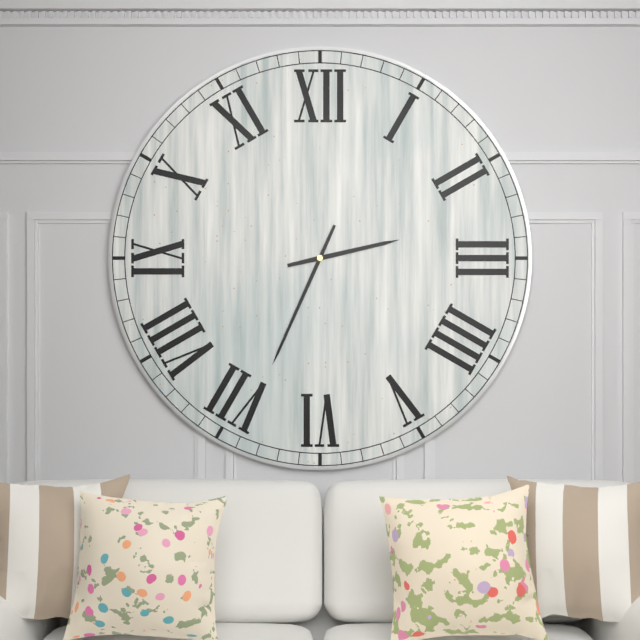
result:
2,34
